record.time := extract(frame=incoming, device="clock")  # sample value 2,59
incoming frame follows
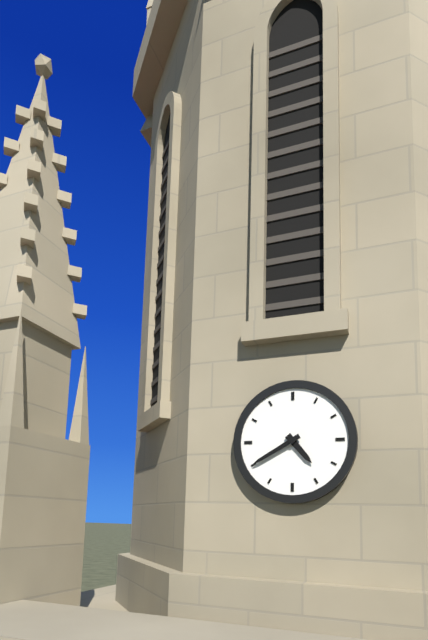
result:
4,40
